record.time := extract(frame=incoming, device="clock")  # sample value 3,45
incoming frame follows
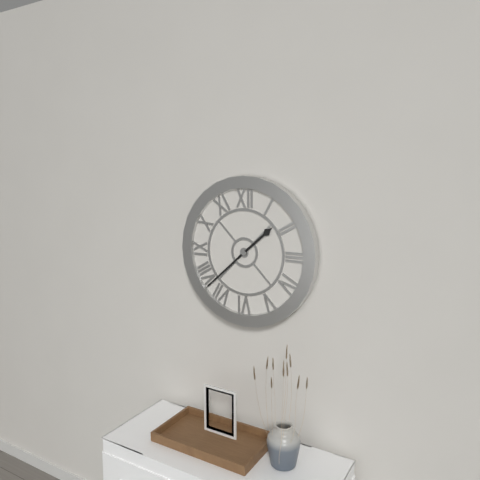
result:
1,38
